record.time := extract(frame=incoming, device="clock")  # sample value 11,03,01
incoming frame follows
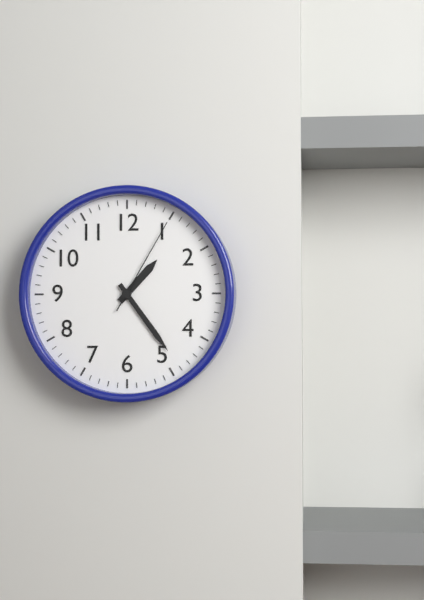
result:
1,24,05
